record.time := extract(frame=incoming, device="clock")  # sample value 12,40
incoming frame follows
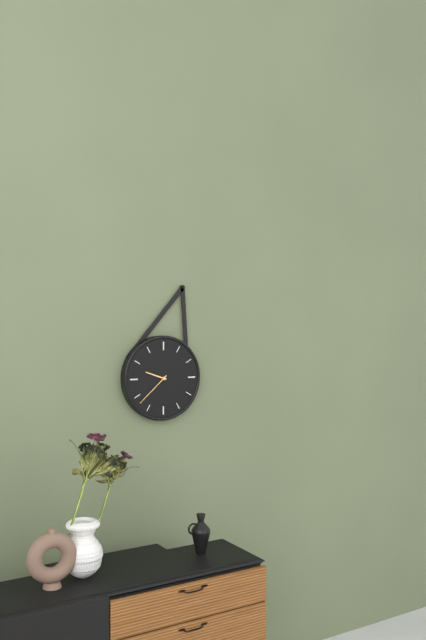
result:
9,38
